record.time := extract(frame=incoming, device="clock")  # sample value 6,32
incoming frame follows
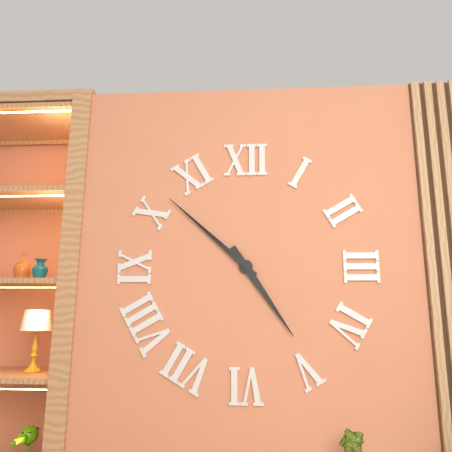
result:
4,52
